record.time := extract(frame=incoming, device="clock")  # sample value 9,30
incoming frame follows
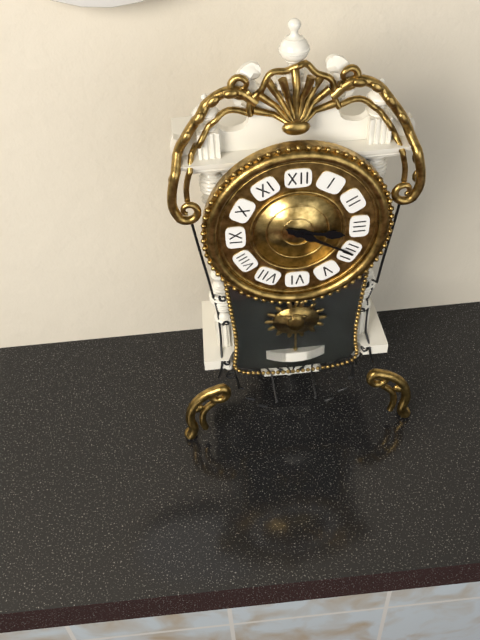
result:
3,20
